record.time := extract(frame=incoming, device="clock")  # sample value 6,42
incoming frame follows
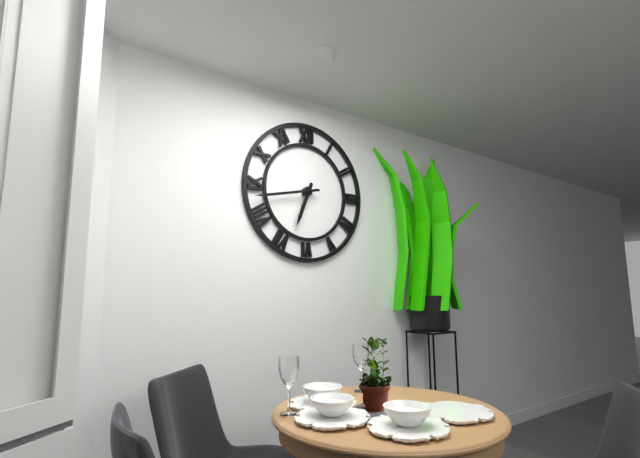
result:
6,43
